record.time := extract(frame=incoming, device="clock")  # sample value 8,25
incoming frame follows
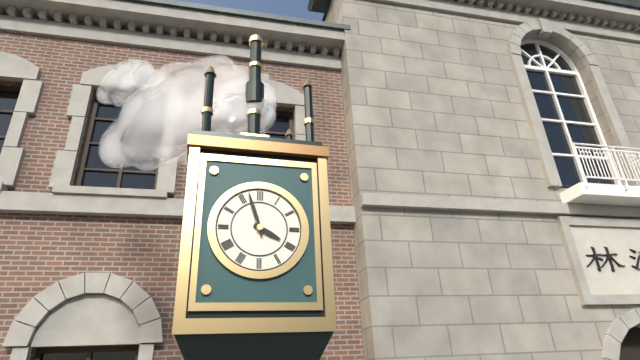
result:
3,57
